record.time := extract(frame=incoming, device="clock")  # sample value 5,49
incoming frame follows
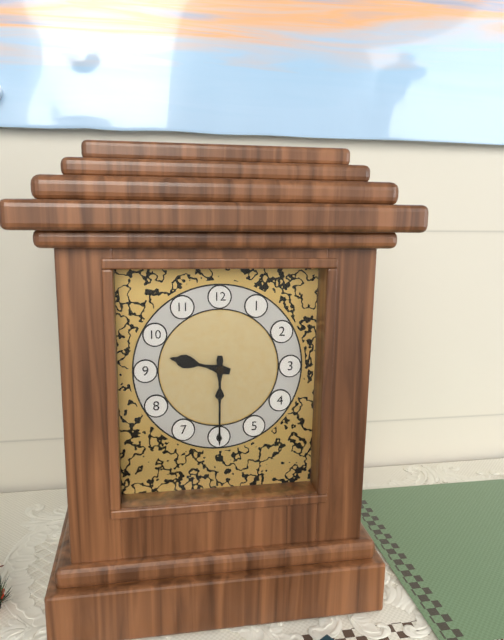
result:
9,30
